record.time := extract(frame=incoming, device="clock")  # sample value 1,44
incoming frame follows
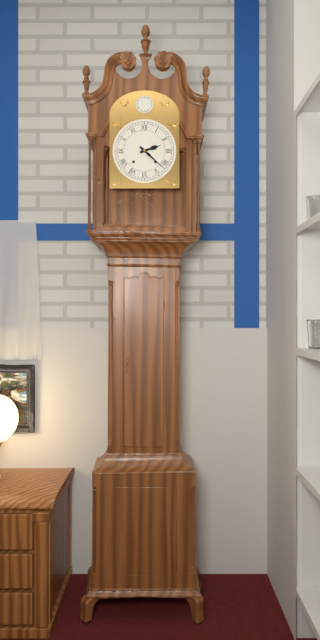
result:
2,22
